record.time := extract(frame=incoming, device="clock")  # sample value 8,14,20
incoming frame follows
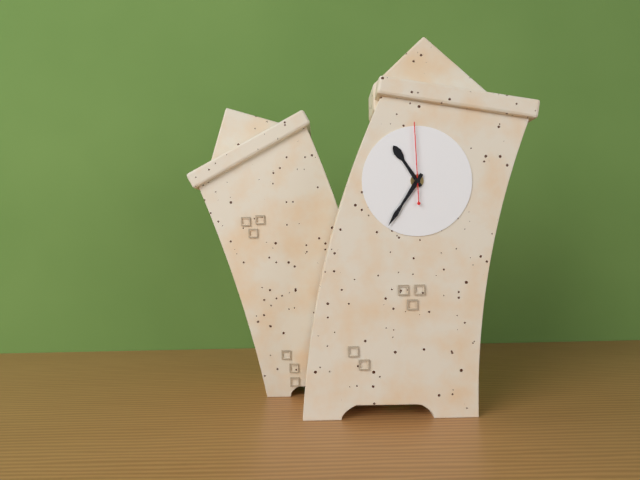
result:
10,34,58
